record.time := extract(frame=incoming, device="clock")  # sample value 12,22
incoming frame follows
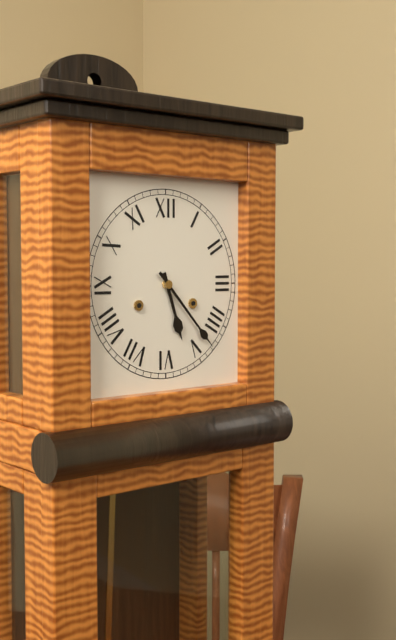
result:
5,23
